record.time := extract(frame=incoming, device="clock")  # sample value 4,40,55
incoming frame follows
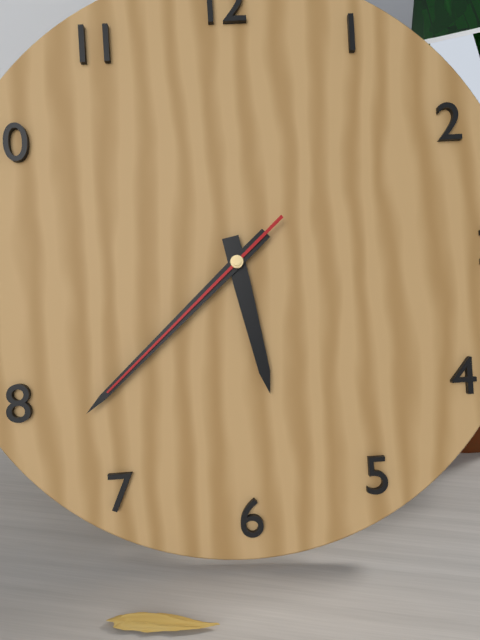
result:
5,38,38
